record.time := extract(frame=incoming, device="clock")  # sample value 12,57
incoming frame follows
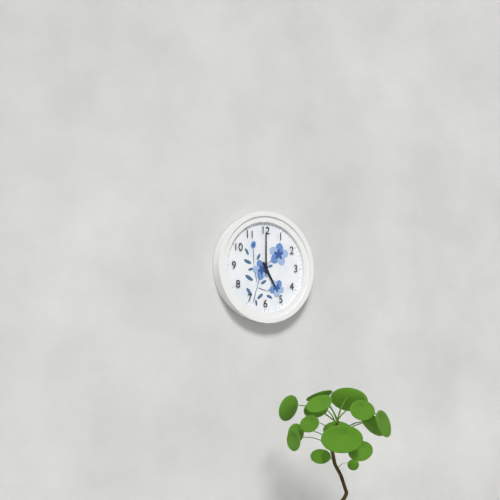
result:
5,00
